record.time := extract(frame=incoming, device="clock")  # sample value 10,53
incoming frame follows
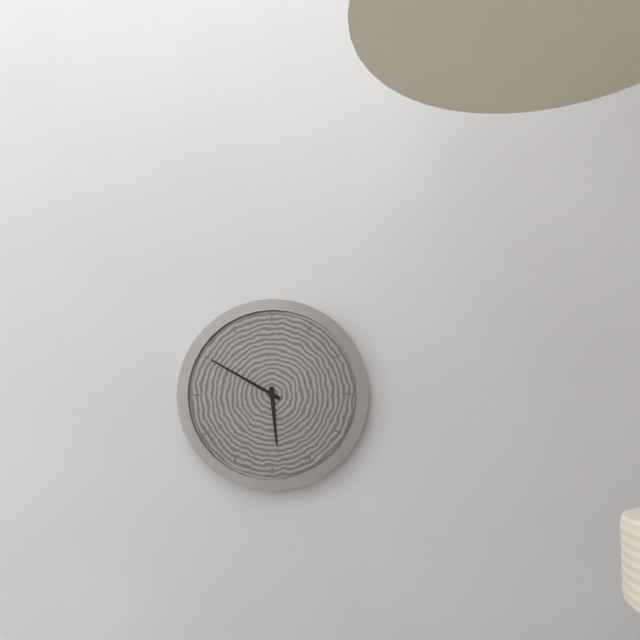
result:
5,50
